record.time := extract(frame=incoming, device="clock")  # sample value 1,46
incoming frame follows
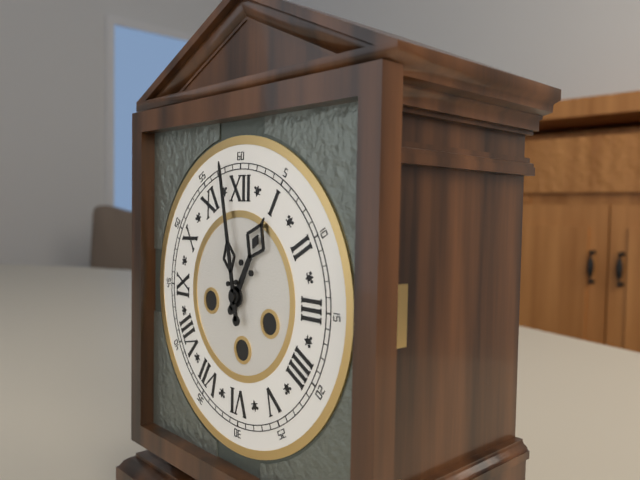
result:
12,58
